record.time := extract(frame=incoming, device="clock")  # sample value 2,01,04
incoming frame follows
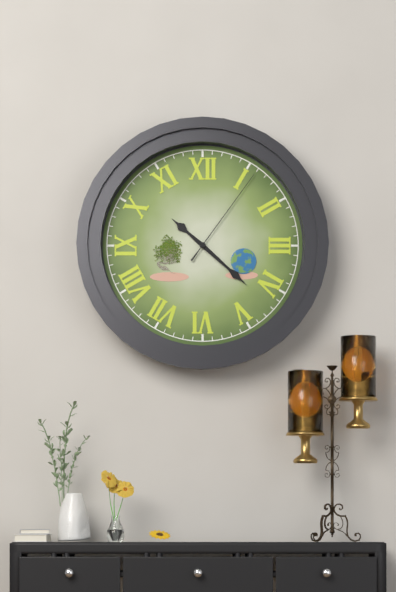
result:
10,22,06
